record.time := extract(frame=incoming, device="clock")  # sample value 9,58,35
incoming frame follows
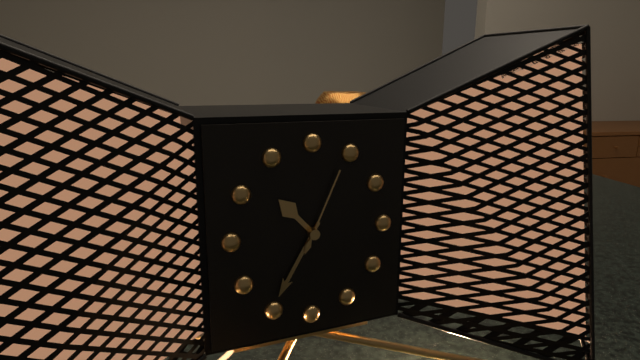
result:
10,35,04
